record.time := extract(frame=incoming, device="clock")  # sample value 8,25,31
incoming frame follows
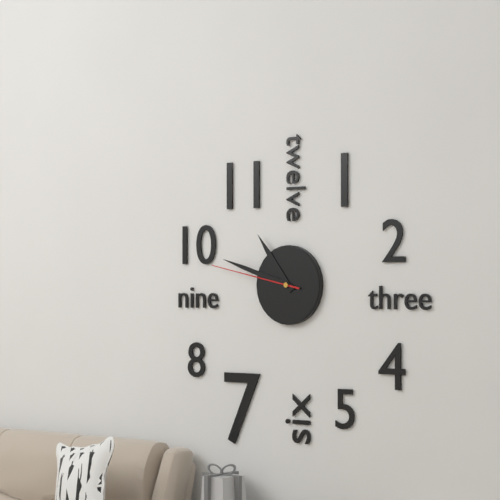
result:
10,48,47
